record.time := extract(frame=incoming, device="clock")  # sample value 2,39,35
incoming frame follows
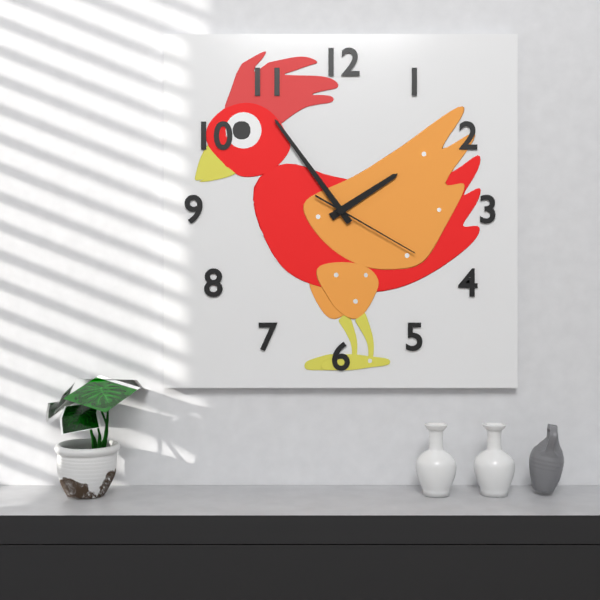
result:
1,54,20
